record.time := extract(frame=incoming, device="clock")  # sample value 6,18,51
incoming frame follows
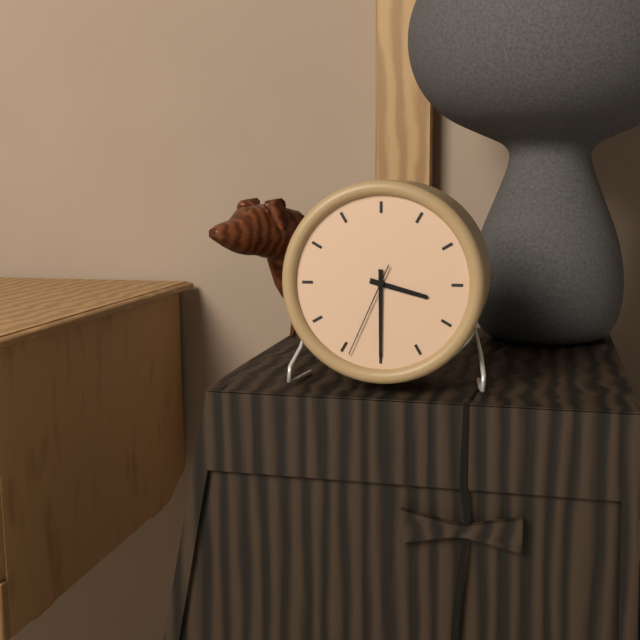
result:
3,30,34
